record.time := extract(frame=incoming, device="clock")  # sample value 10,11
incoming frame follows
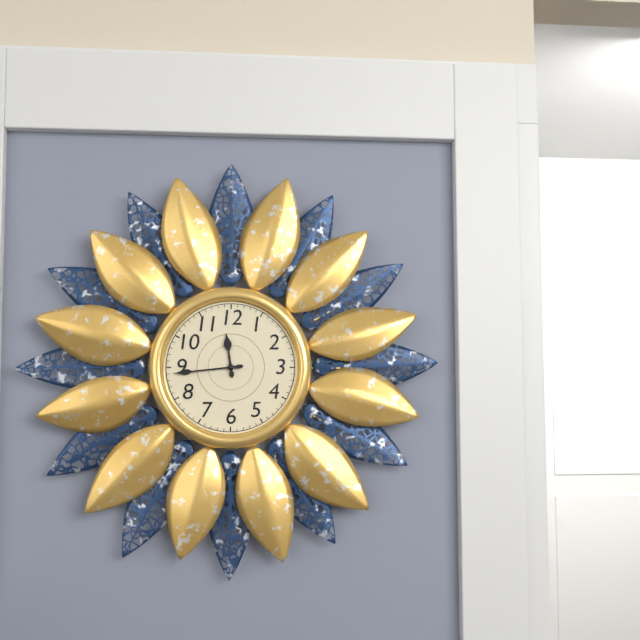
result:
11,44
